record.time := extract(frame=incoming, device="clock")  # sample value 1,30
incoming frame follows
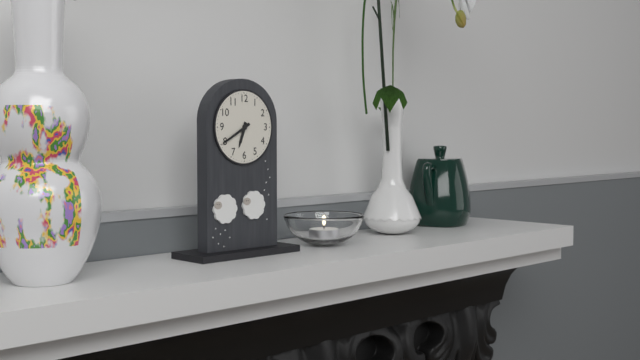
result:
6,40
